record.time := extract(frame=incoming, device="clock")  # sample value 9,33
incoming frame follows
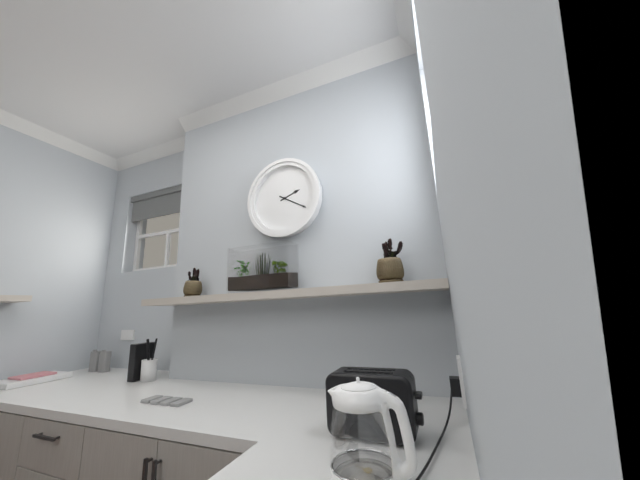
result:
2,20
